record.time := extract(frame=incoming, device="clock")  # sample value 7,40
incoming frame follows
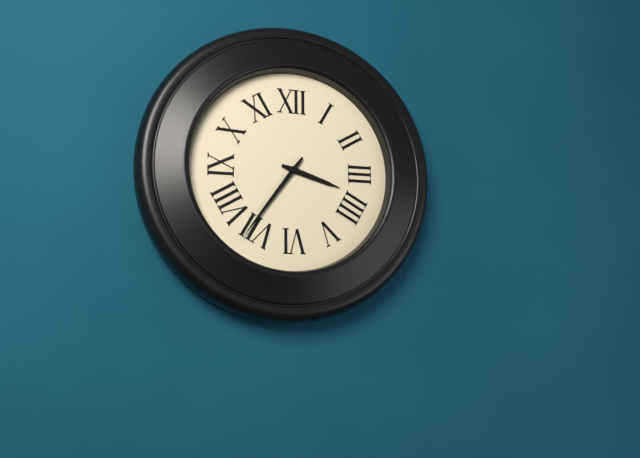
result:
3,36
